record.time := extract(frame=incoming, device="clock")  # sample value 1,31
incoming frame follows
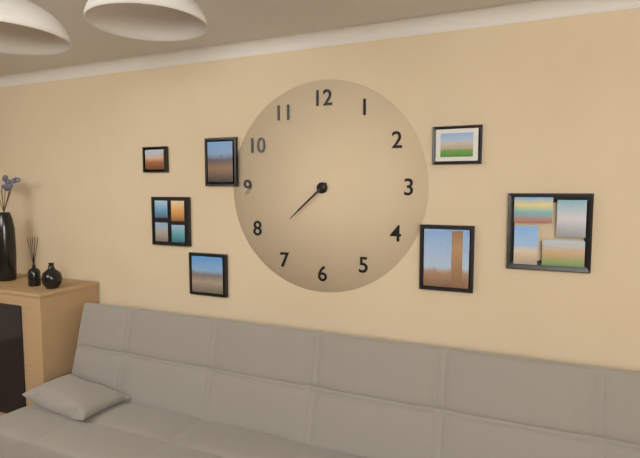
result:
7,38
